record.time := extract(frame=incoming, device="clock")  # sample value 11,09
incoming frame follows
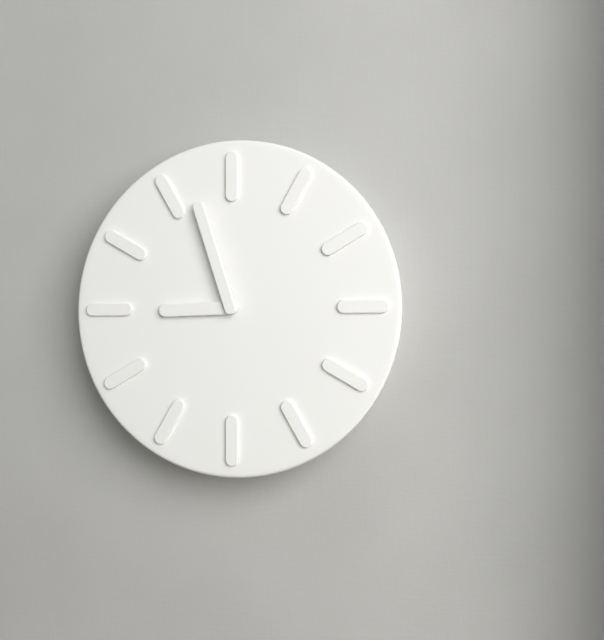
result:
8,57
